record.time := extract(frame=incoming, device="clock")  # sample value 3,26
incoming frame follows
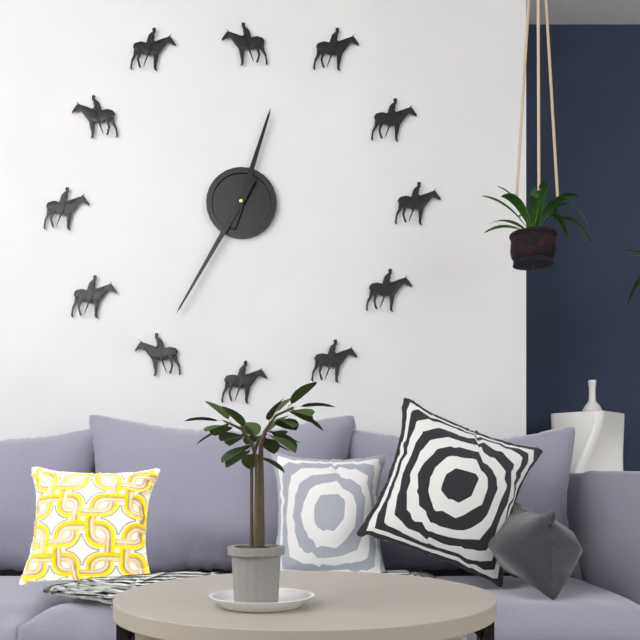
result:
12,35
